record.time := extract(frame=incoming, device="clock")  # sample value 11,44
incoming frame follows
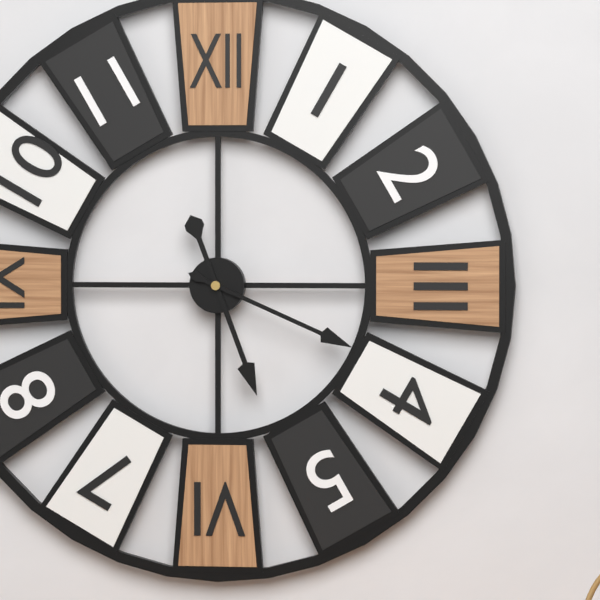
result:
5,19
